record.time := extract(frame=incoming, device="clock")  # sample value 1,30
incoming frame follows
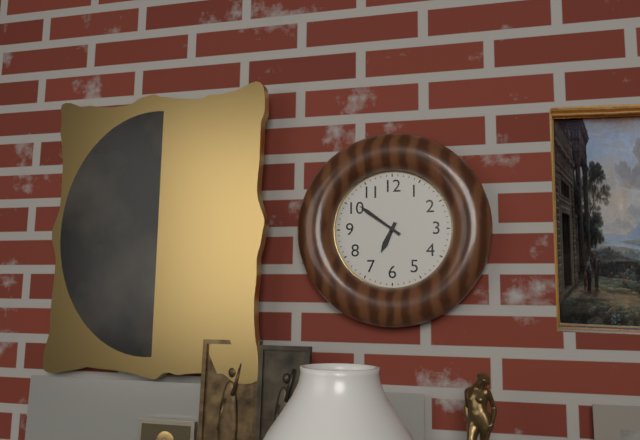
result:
6,51
